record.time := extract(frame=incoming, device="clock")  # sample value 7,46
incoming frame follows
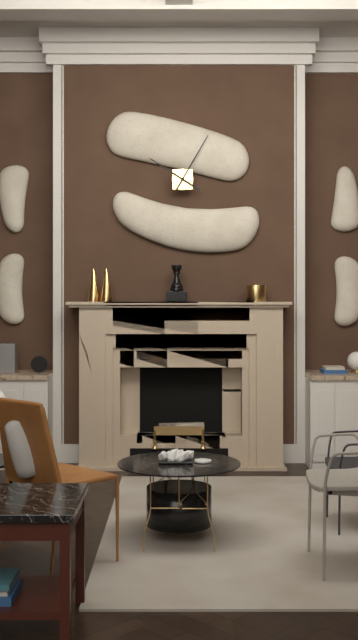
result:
10,05
